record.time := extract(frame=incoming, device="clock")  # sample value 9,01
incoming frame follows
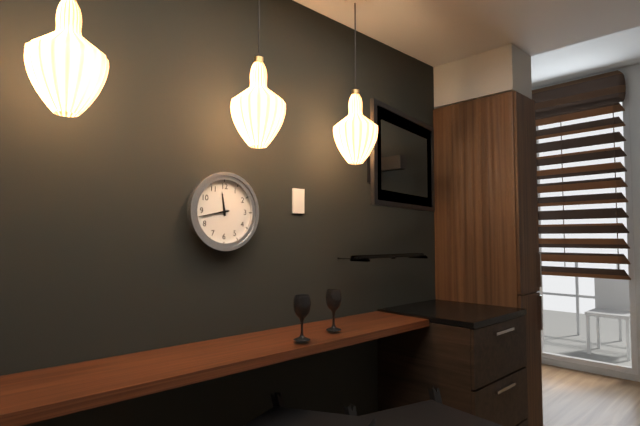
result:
11,43
